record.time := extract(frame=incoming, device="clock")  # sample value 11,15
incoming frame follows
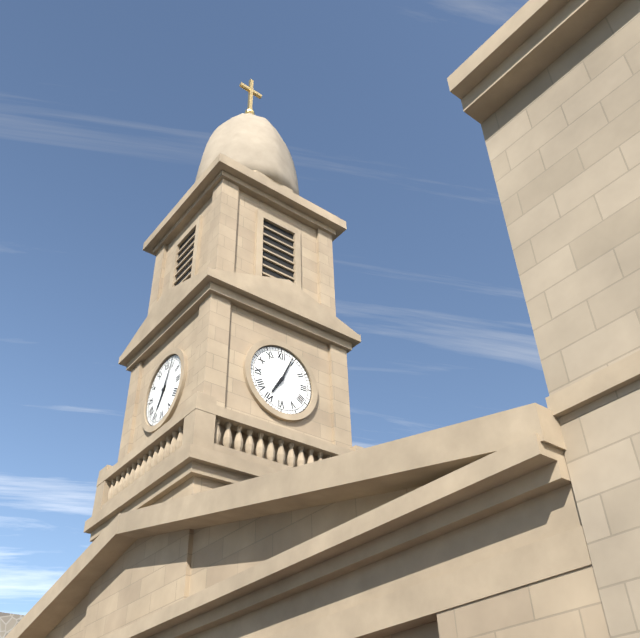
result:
7,04
